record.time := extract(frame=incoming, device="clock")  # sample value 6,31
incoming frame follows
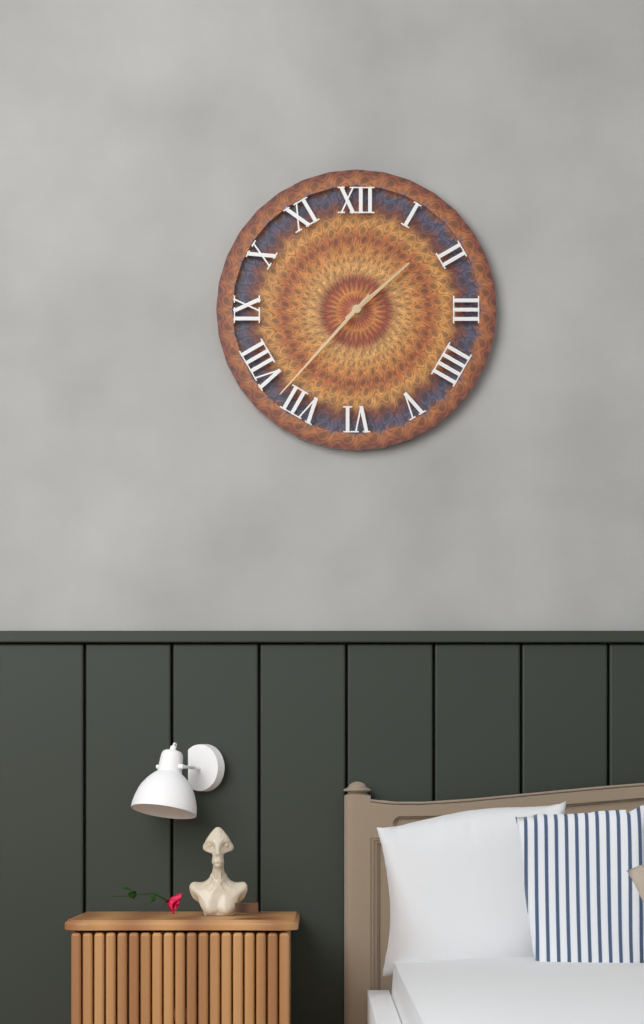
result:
1,37
